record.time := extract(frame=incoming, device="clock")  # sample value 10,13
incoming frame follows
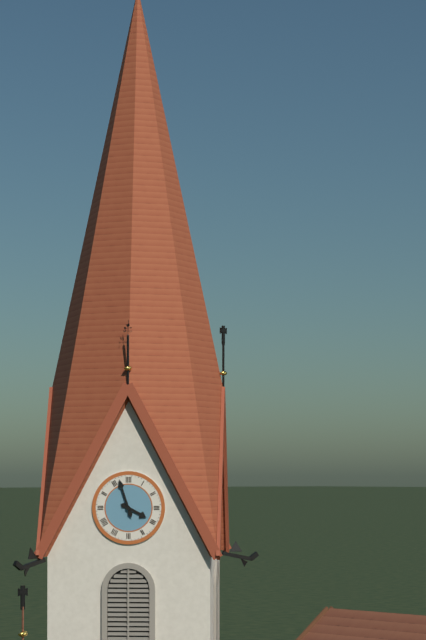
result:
3,57
